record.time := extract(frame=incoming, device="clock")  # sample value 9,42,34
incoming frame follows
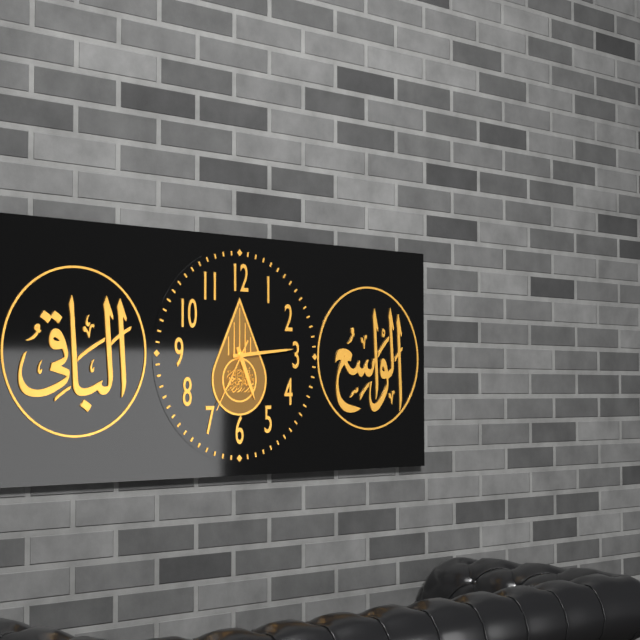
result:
5,14,35
